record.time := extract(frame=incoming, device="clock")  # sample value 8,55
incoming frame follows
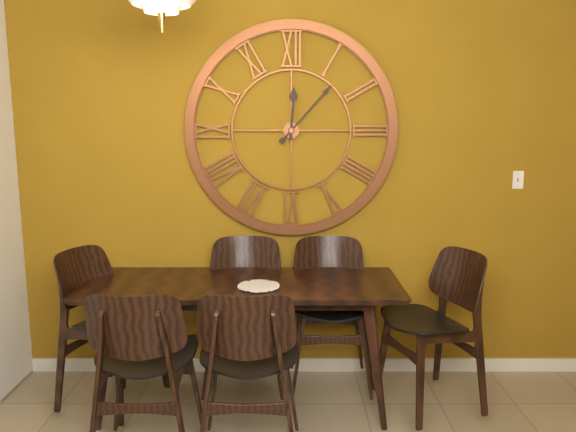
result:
12,07
